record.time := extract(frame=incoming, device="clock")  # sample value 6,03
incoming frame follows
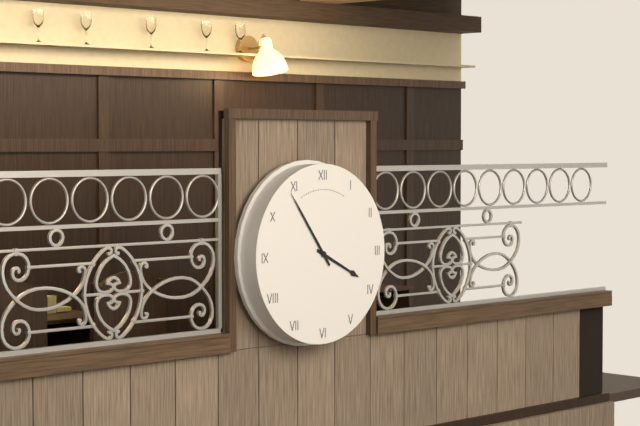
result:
3,54
